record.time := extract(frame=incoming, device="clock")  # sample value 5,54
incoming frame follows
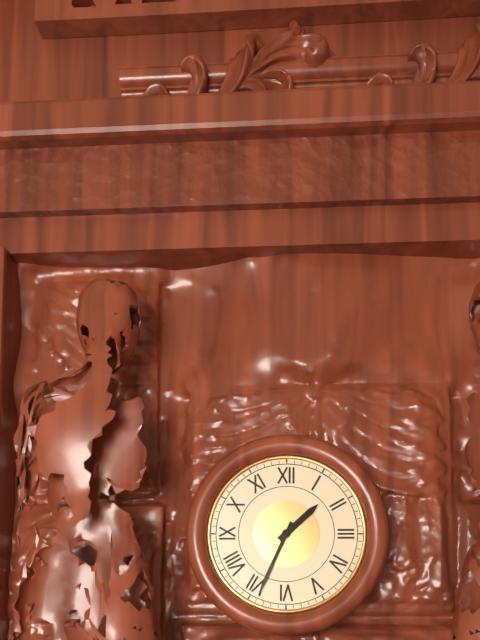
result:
1,34
